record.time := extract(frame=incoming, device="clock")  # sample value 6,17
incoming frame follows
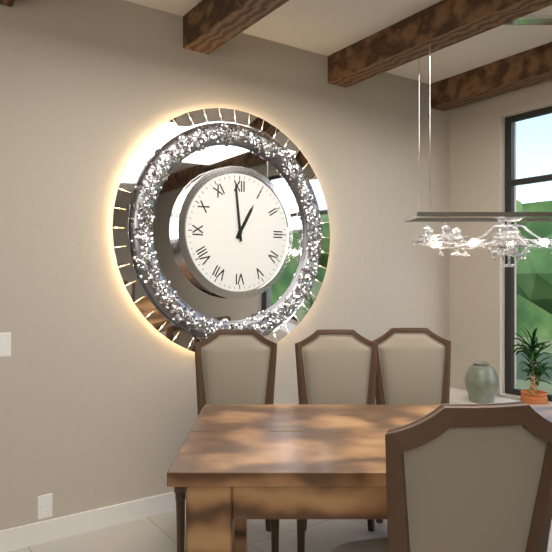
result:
12,59
